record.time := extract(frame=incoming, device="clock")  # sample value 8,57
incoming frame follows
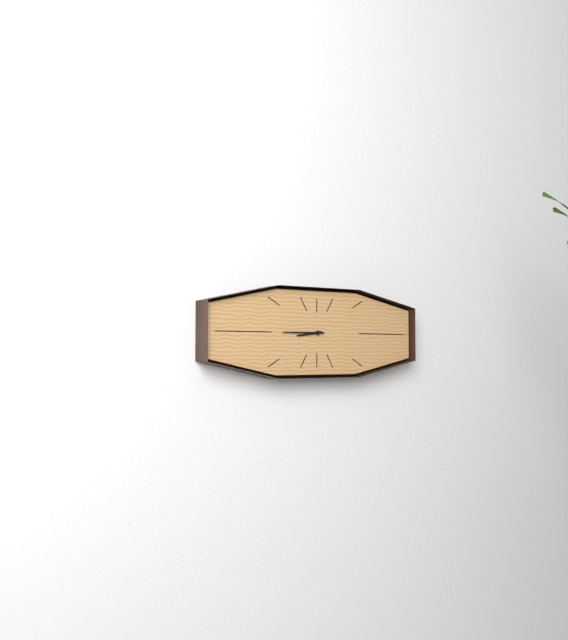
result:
8,45
